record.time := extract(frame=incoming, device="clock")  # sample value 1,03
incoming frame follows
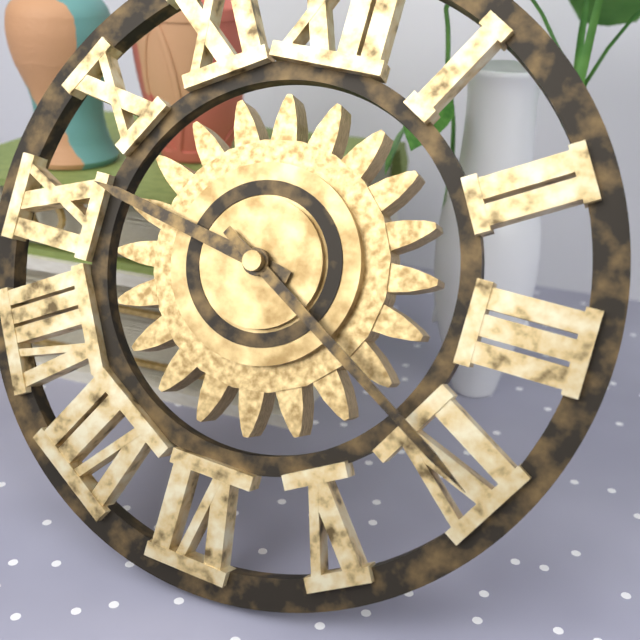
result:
9,20
